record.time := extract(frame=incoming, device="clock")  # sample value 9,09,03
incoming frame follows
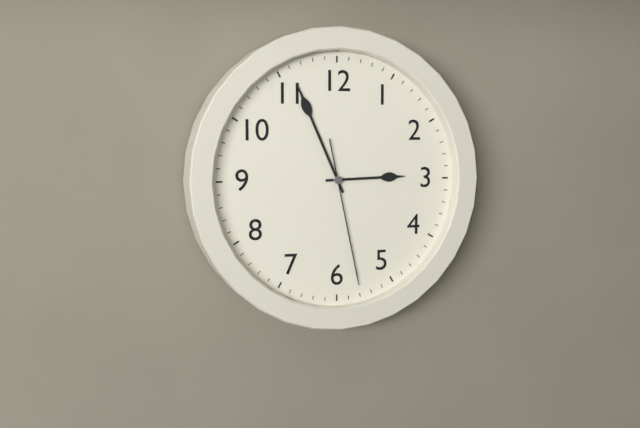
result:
2,56,28
